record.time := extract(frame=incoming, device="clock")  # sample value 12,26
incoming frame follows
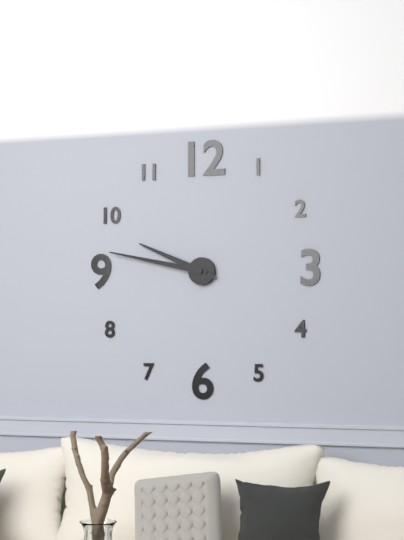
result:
9,47
